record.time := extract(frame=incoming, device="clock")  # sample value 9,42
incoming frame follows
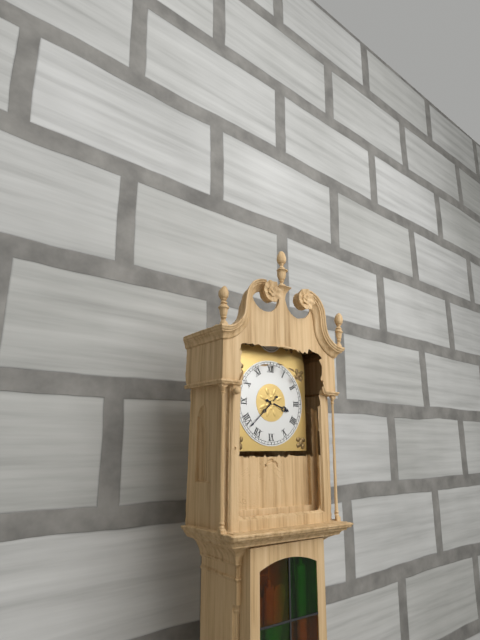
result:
3,38
